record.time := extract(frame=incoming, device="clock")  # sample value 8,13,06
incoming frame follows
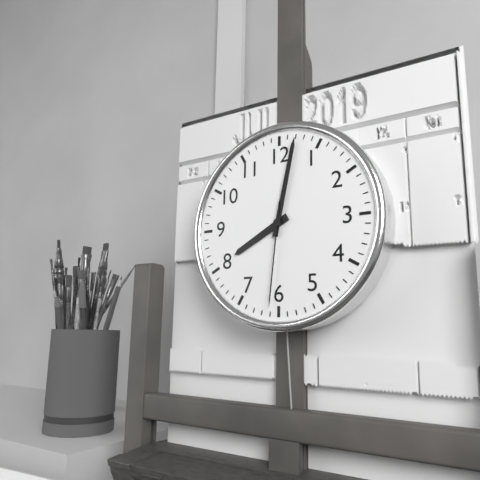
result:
8,02,31
